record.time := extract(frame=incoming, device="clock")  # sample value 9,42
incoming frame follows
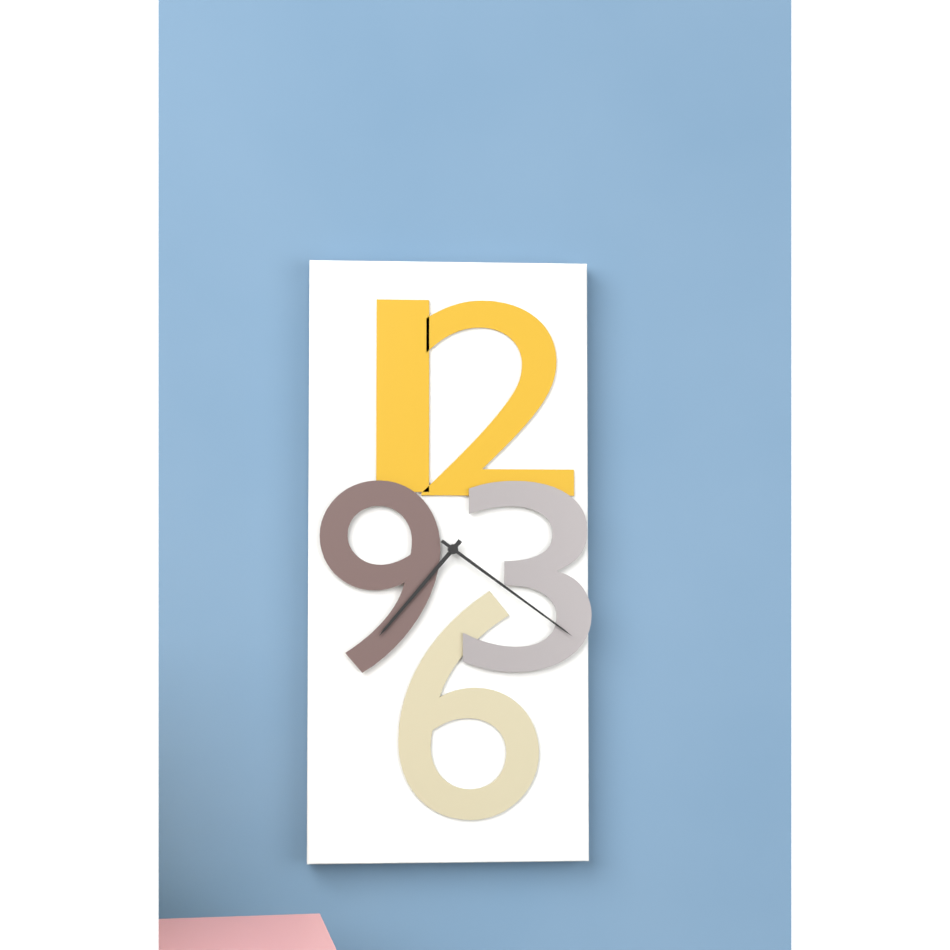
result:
7,21
